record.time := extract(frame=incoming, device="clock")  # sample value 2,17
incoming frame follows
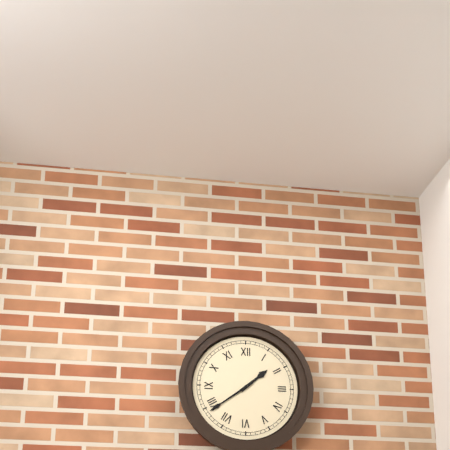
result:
1,39
